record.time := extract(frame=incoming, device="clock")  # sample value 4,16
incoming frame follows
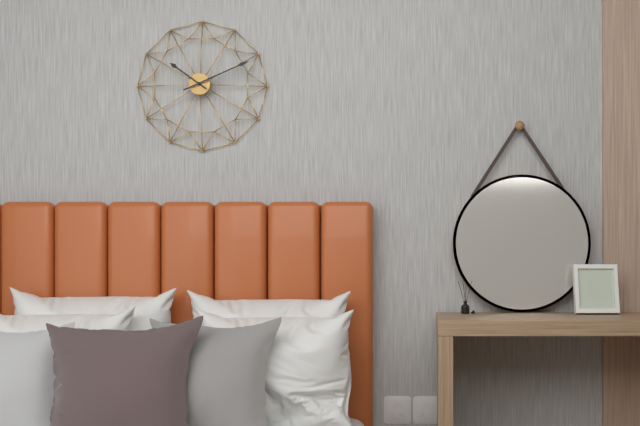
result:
10,11
